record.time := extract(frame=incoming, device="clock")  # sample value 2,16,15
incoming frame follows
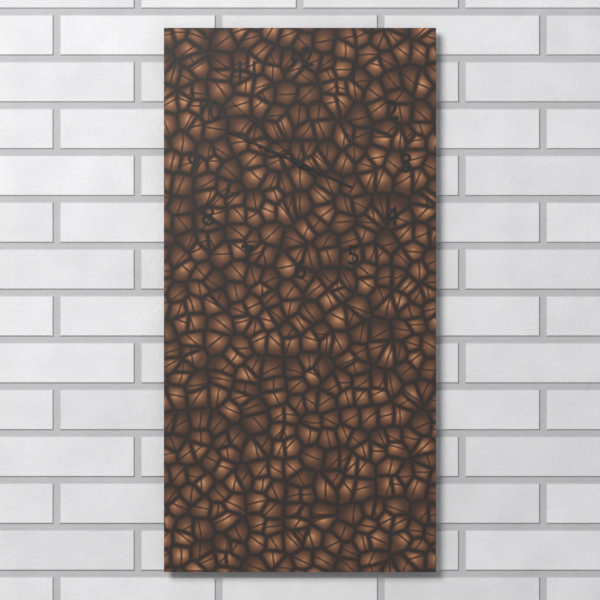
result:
3,49,52
